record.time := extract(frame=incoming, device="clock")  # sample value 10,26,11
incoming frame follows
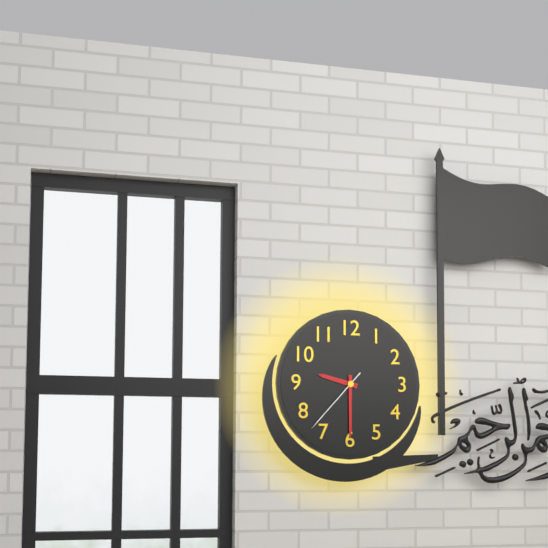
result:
9,30,37
